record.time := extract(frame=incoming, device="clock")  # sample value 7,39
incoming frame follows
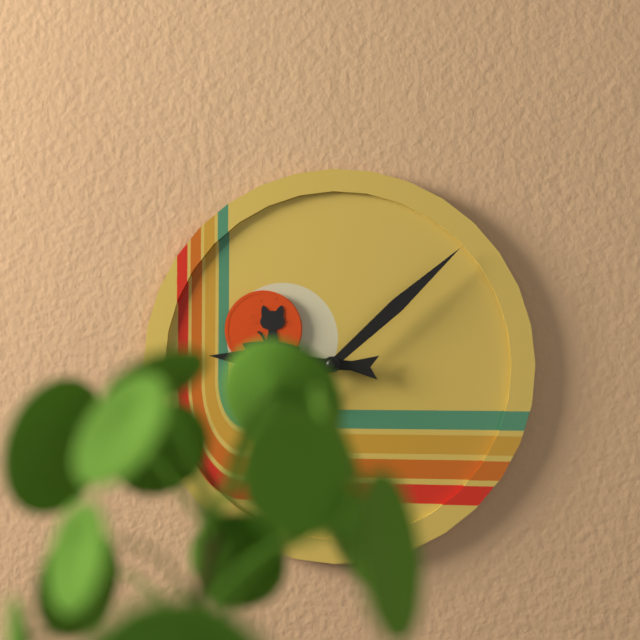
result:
9,08
